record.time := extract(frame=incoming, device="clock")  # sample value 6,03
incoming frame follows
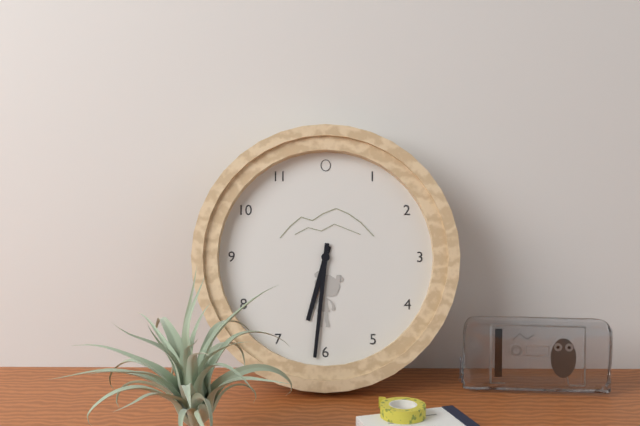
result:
6,31
